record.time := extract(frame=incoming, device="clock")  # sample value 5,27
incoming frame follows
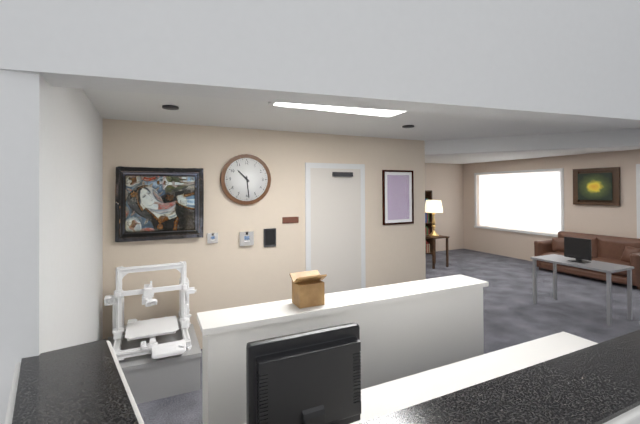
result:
10,29
